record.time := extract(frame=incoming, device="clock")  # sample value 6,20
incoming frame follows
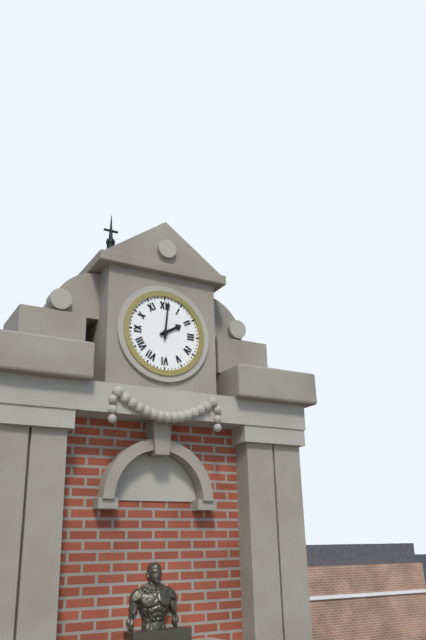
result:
2,01
